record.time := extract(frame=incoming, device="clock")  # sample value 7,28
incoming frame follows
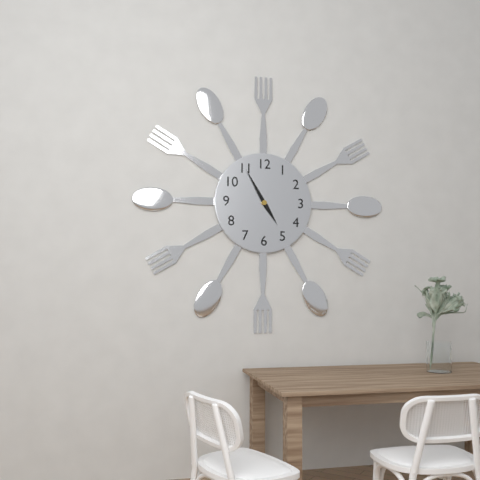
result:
4,55
